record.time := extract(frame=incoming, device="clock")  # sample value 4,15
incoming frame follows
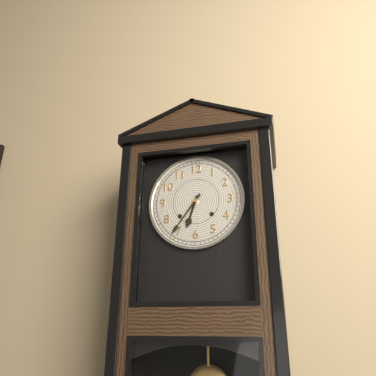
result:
6,36
